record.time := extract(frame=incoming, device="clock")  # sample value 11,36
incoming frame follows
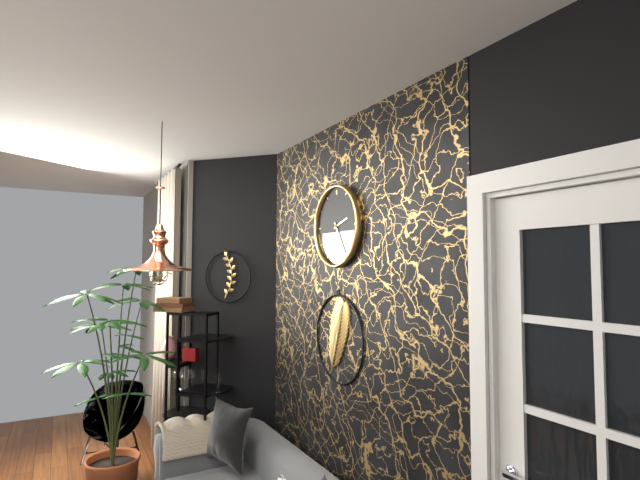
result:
2,25
